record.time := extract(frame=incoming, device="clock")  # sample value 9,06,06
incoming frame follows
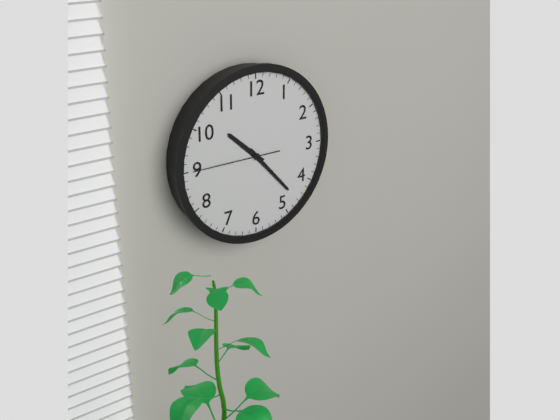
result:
10,23,45
